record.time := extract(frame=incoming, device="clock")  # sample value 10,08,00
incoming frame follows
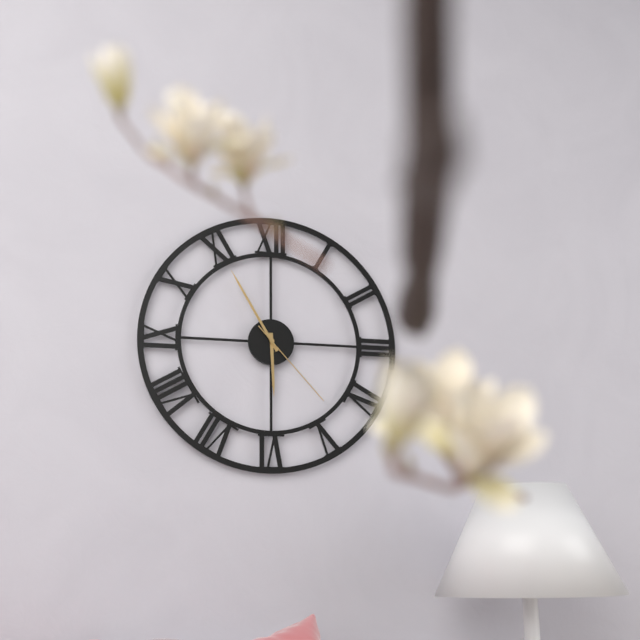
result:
5,55,23
